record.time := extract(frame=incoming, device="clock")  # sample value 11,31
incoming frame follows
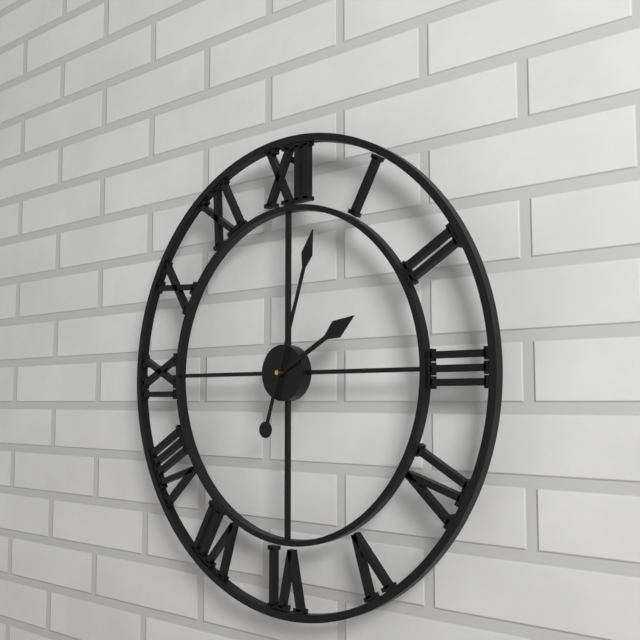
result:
2,03
